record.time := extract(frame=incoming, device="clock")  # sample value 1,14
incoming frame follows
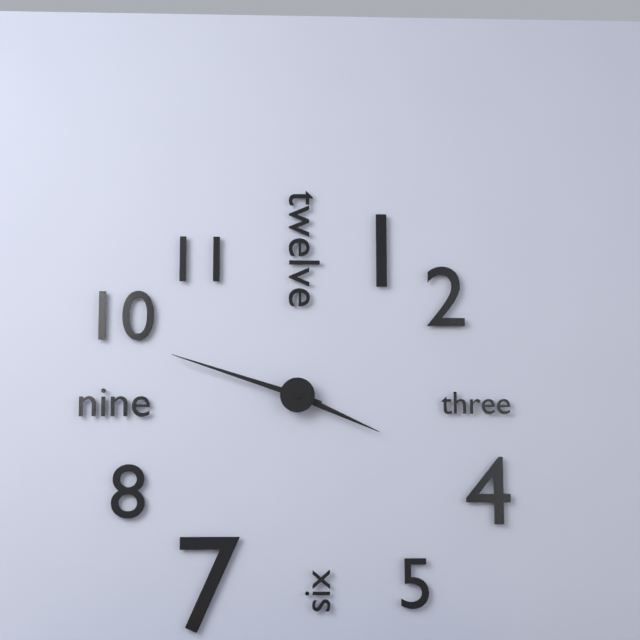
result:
3,48
